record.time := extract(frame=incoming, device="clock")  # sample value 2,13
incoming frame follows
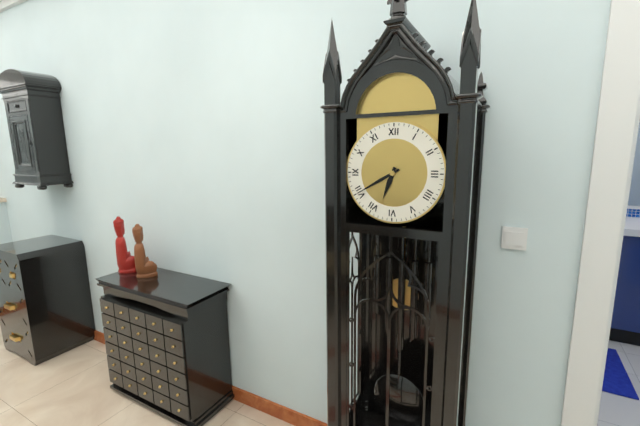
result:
6,40
